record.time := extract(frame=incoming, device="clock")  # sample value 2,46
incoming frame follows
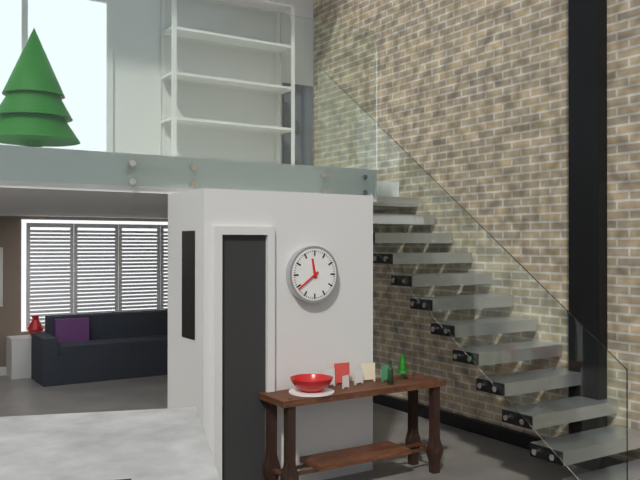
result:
11,39
